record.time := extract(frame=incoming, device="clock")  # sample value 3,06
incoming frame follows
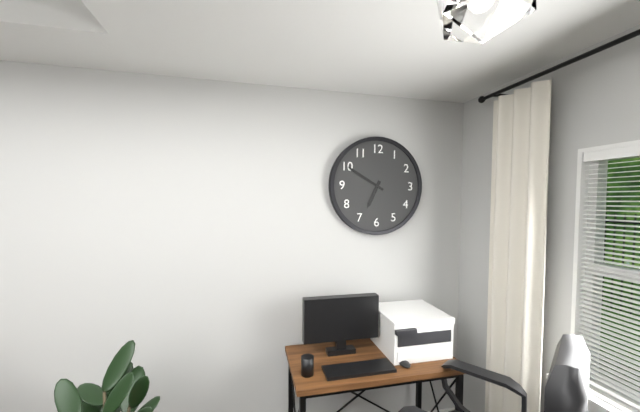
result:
6,50
